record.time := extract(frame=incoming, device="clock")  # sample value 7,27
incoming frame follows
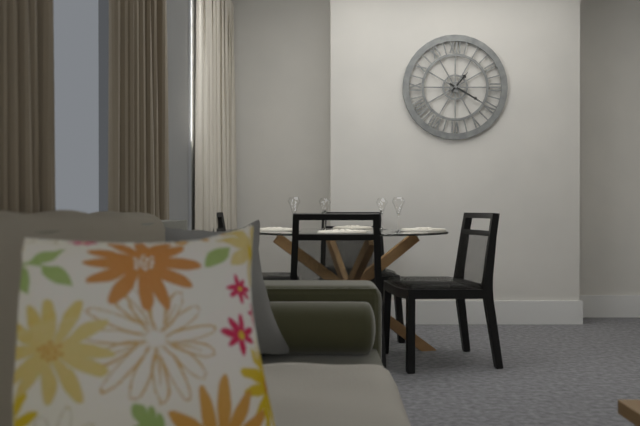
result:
1,20
